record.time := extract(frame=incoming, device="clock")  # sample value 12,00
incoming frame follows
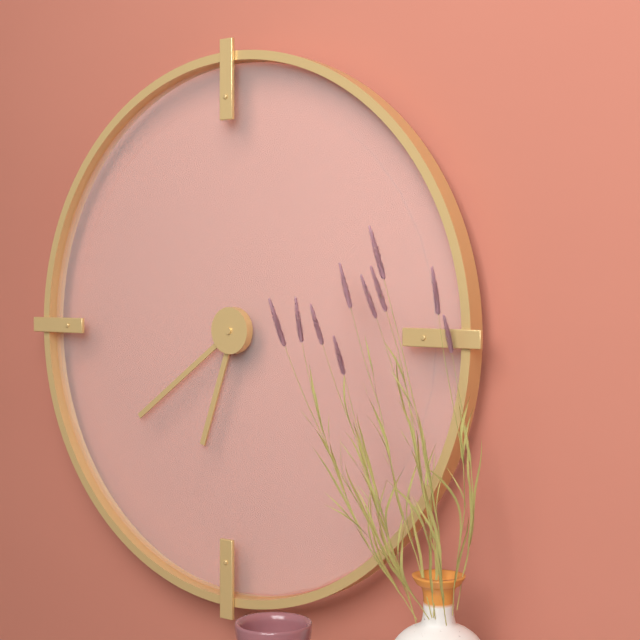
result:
6,39
